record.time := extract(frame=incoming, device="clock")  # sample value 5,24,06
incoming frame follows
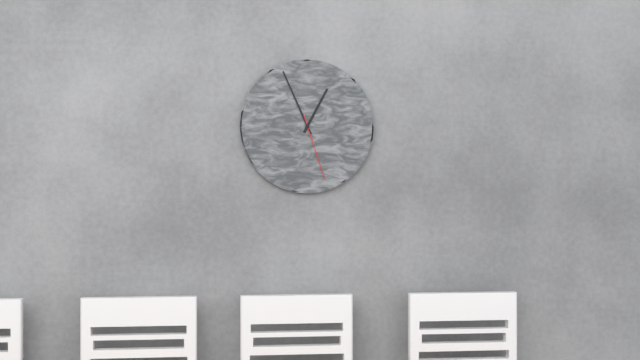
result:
12,56,27
